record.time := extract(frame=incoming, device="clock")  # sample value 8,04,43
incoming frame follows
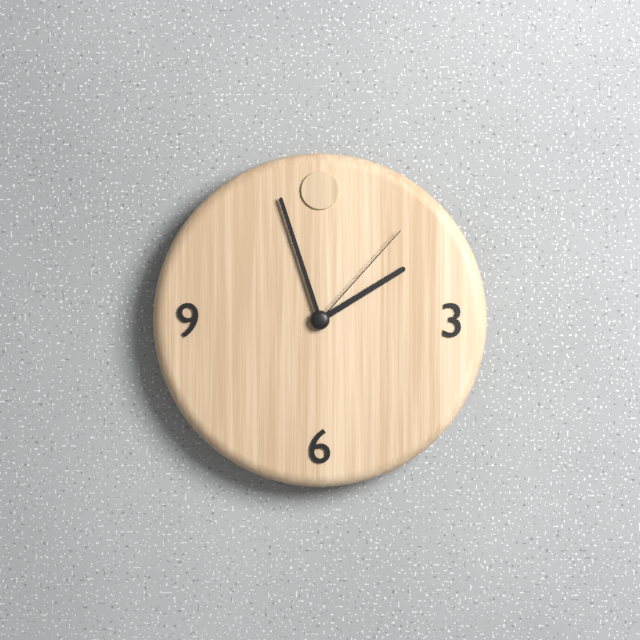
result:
1,57,07
